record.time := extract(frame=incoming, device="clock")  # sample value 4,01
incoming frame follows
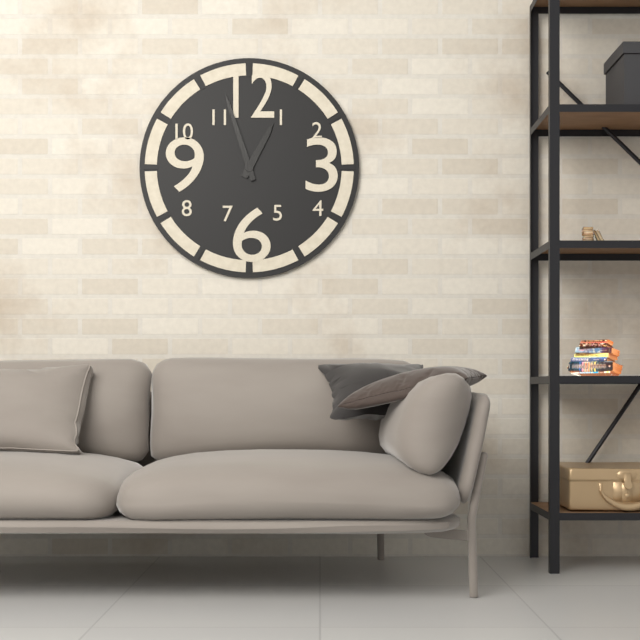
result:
12,57
